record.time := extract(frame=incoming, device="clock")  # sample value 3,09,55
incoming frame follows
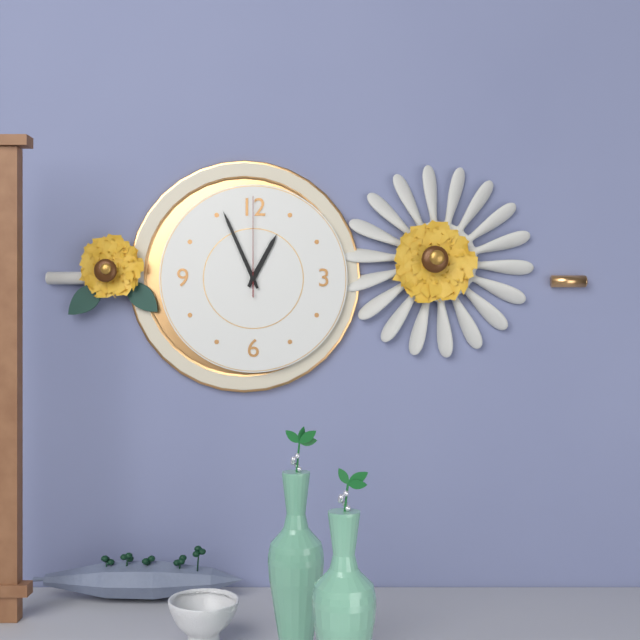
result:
12,56,00
